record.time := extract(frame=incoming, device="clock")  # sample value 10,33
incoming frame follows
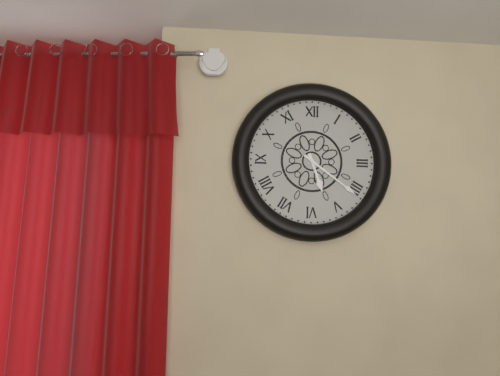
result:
5,21
